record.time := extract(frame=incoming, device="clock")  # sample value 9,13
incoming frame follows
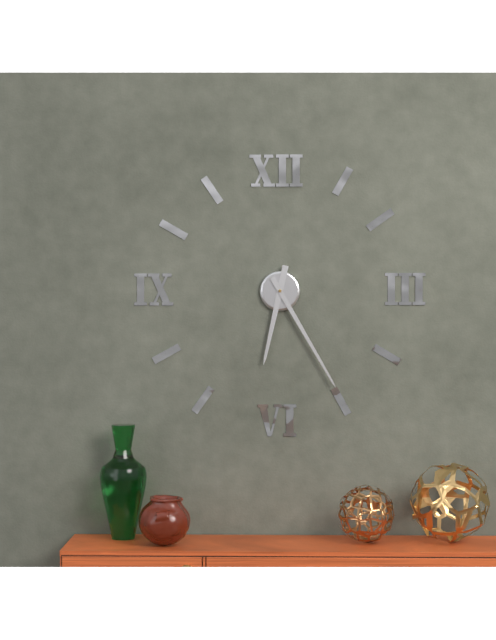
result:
6,25
